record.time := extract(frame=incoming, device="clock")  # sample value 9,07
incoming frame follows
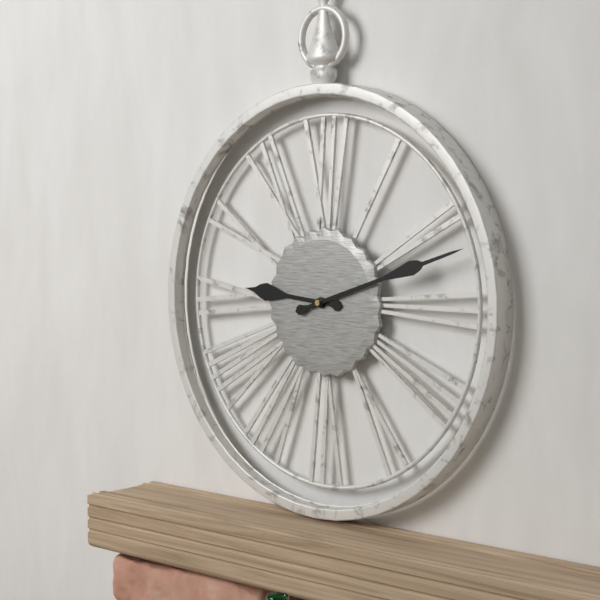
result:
9,12
